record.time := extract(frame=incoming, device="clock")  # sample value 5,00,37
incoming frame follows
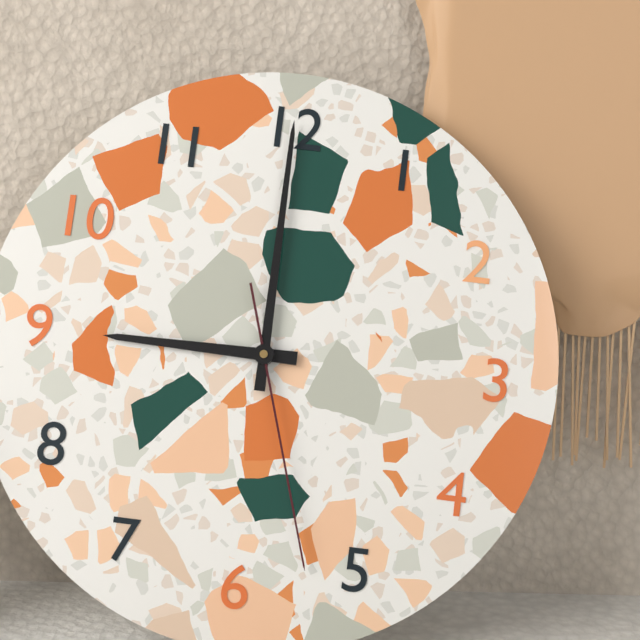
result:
9,00,27
